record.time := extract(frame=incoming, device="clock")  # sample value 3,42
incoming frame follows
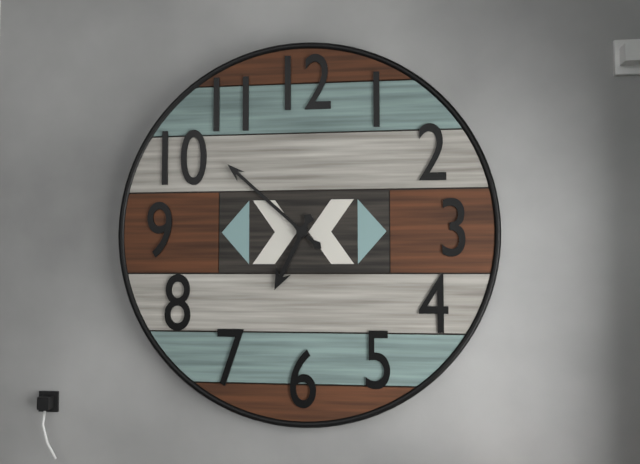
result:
6,52
